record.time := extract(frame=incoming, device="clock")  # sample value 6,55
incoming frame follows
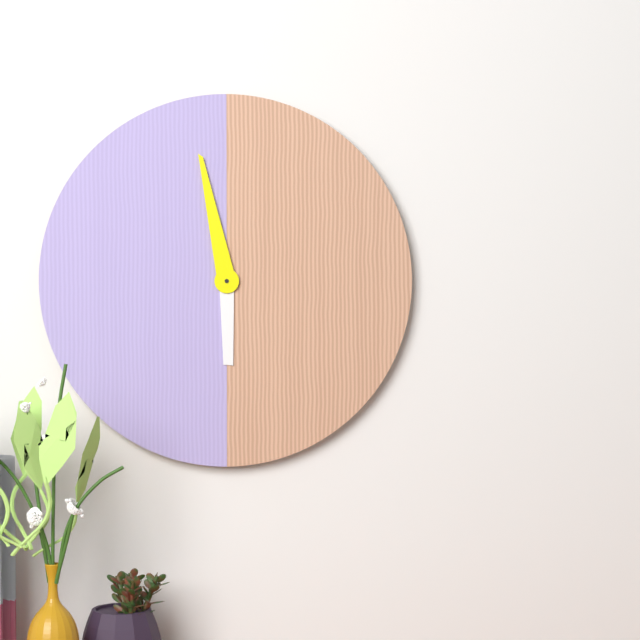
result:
5,58
